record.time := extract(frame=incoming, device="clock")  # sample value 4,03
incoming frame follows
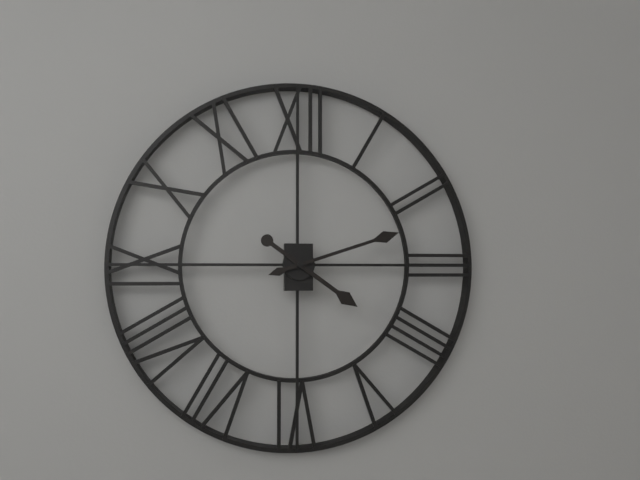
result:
4,12
